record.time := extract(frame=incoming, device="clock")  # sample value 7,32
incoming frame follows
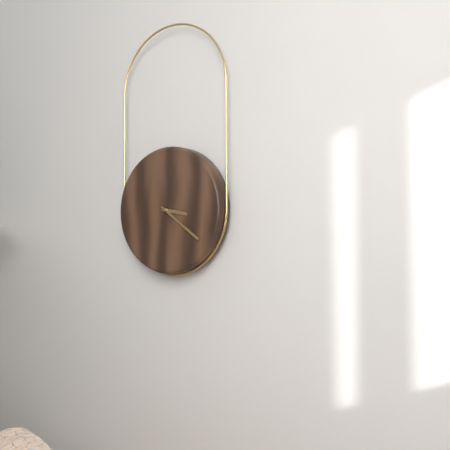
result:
3,21
